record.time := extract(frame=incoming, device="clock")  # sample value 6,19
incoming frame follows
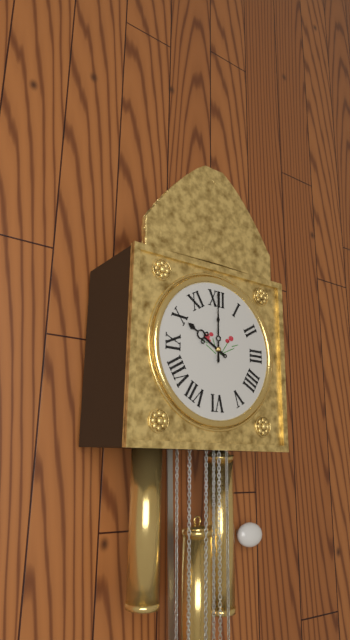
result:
10,00
